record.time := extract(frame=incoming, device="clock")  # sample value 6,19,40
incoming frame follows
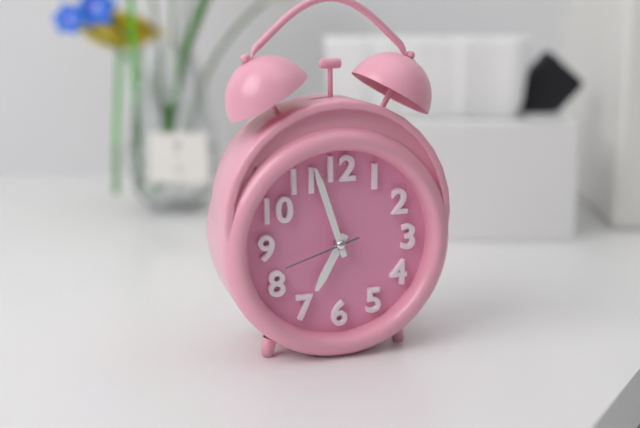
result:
6,57,42
